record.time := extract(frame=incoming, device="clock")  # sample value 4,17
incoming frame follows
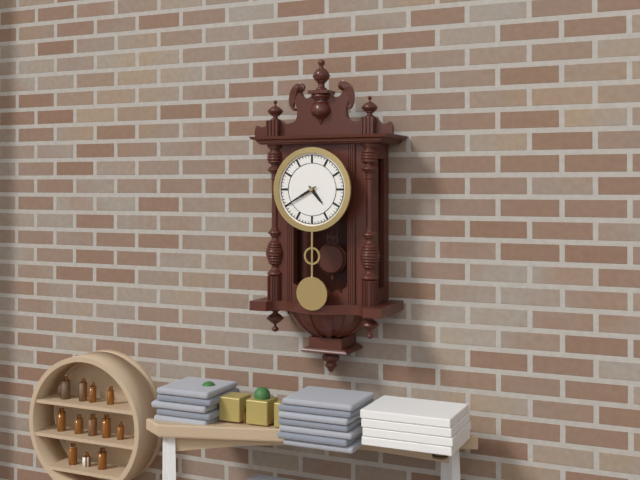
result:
4,40
